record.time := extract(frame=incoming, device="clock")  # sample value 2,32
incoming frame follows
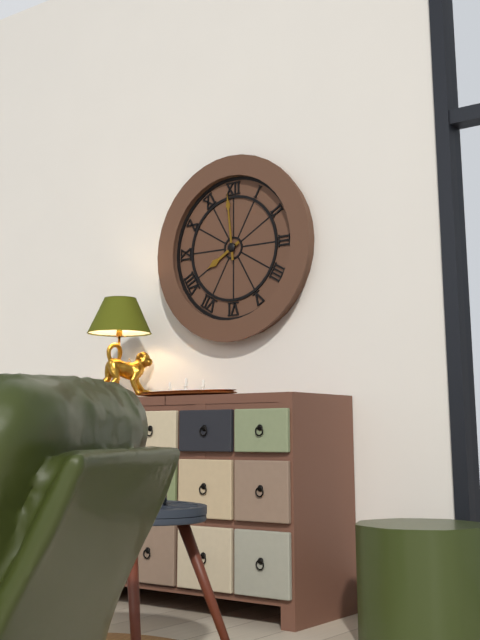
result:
7,59
